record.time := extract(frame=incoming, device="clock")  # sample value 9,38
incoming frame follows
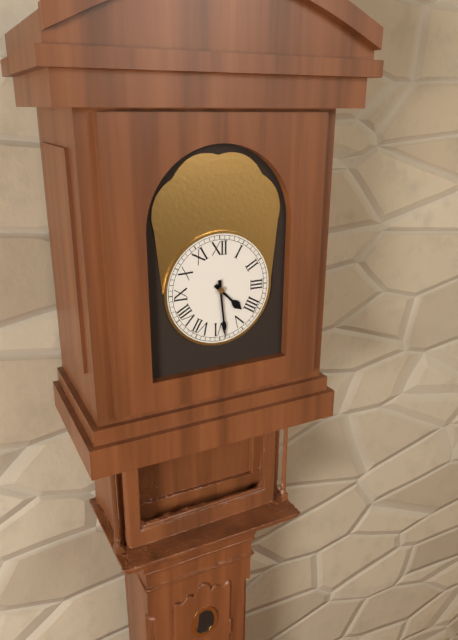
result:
4,29
